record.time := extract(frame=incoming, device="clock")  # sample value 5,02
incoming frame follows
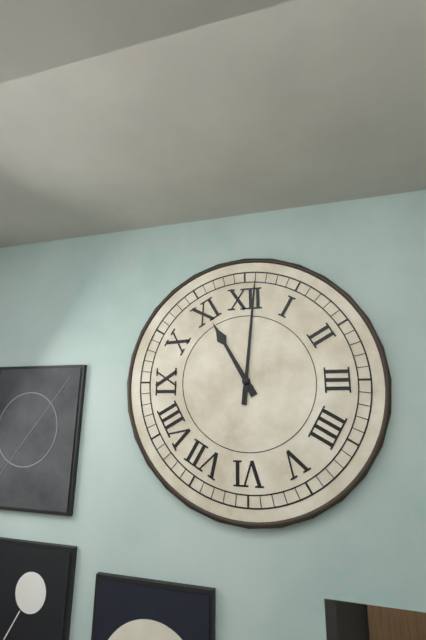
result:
11,01
